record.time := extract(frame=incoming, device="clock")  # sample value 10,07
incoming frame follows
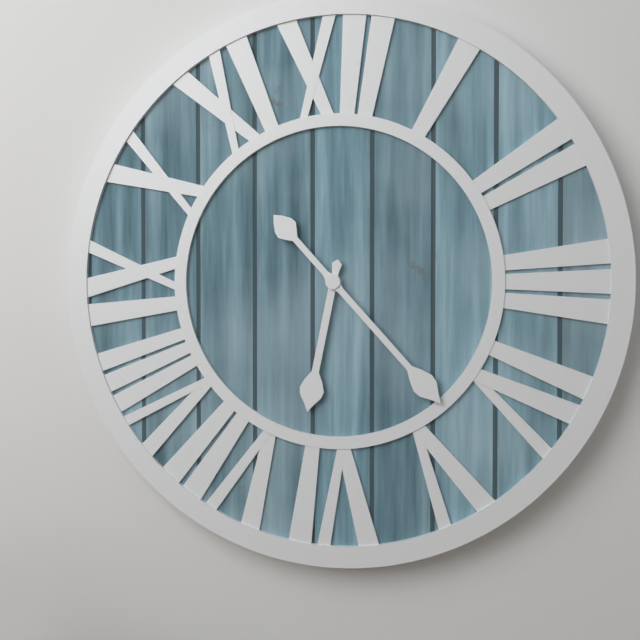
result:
6,23
